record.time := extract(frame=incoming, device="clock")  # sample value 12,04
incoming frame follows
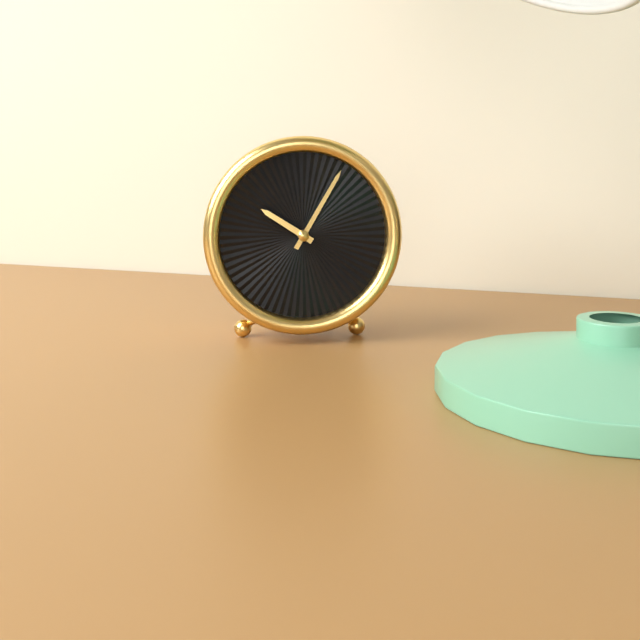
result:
10,05
